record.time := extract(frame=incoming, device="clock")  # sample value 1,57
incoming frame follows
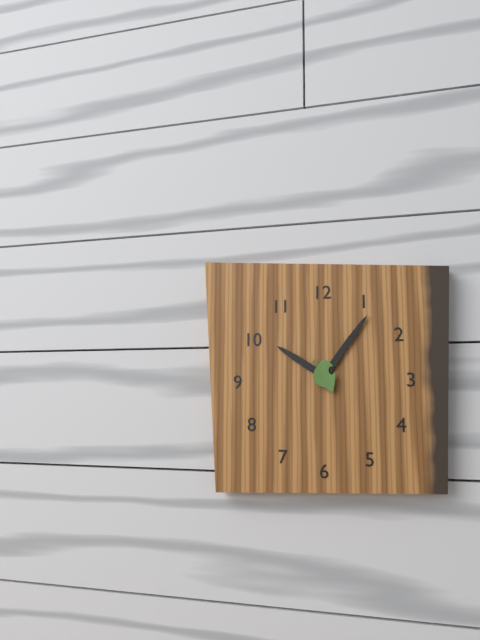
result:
10,06
